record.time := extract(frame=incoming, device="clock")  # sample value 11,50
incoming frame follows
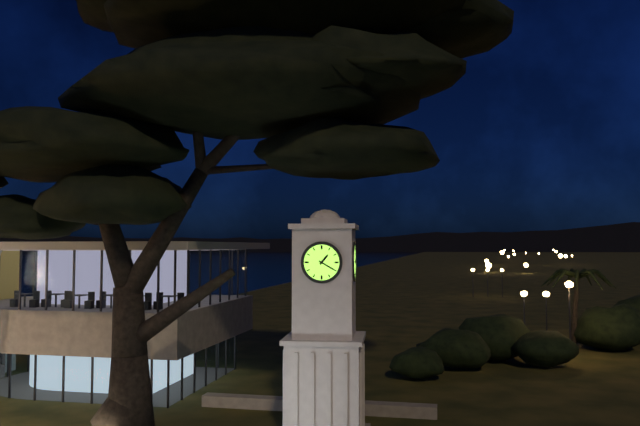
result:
1,20
